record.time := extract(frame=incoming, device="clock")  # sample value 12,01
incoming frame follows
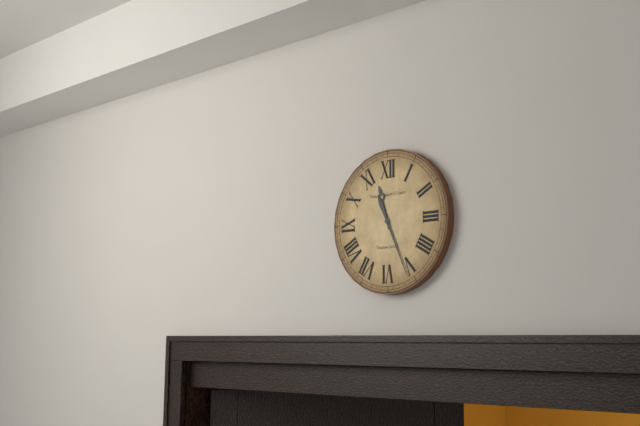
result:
11,26
